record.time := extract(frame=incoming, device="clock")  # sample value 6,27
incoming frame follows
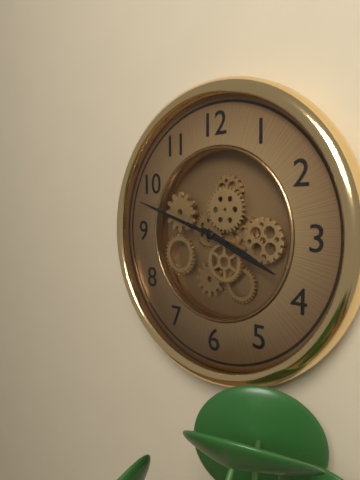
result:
3,48
